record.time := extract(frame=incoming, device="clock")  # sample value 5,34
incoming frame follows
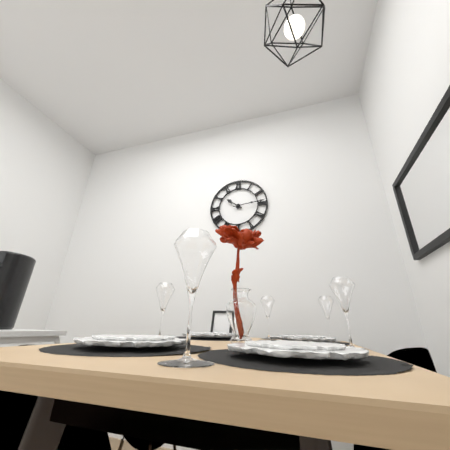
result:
10,14
